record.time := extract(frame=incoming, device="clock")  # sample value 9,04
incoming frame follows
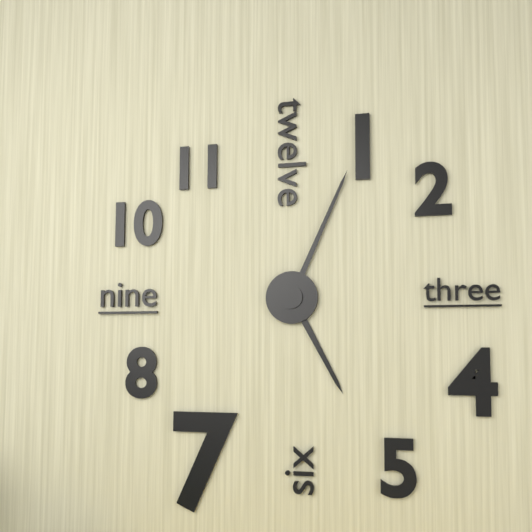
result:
5,04
